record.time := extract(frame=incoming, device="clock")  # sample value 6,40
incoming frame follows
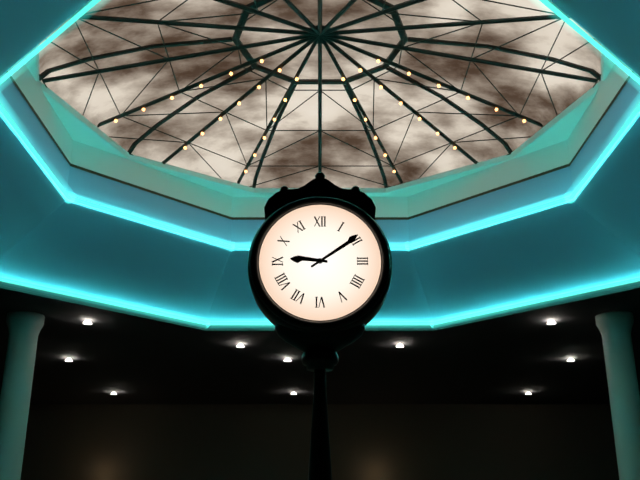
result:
9,09
